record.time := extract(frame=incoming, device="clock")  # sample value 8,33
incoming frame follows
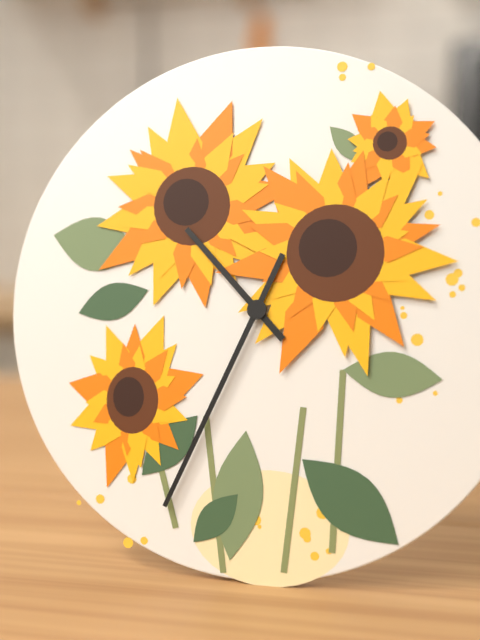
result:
10,34
